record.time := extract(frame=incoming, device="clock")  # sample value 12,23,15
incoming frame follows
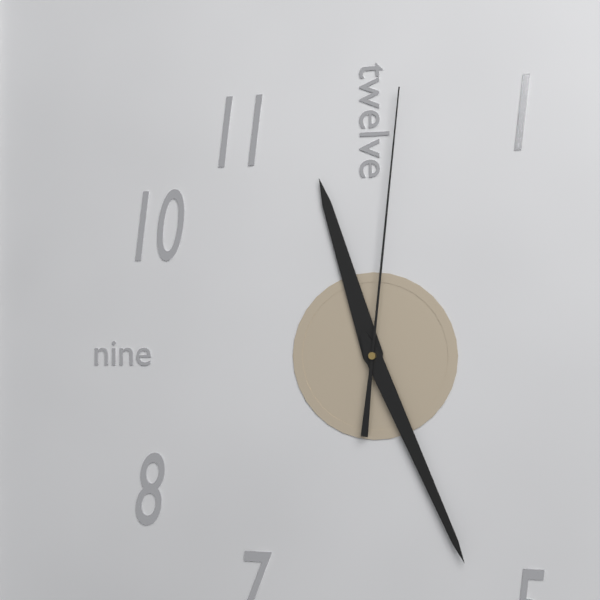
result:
11,26,01
